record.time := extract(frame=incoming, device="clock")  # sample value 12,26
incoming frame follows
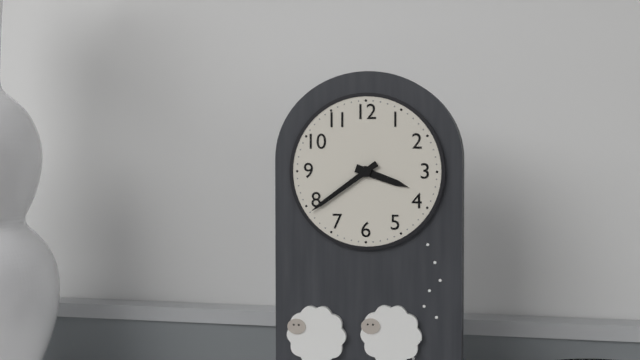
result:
3,39
